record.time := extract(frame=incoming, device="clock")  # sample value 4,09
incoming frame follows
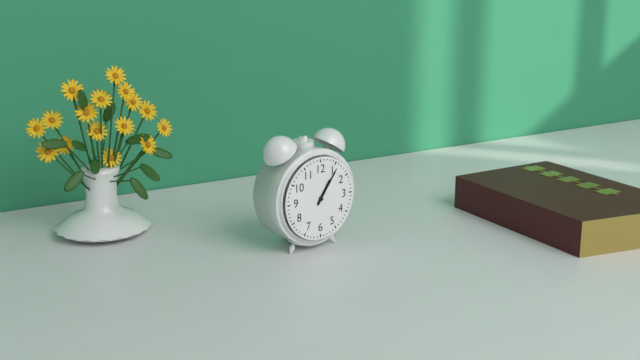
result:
1,06
